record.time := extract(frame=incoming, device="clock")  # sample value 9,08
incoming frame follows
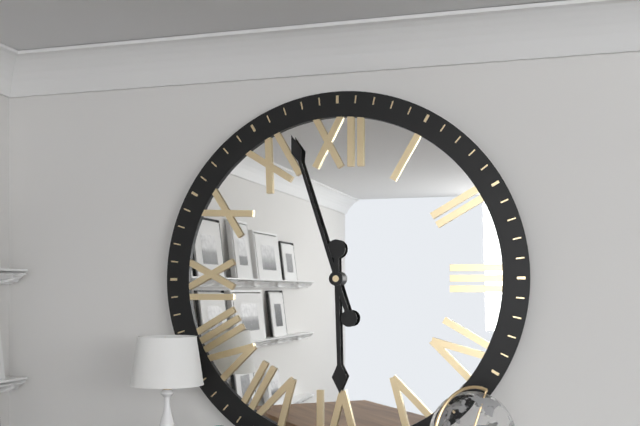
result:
5,57
